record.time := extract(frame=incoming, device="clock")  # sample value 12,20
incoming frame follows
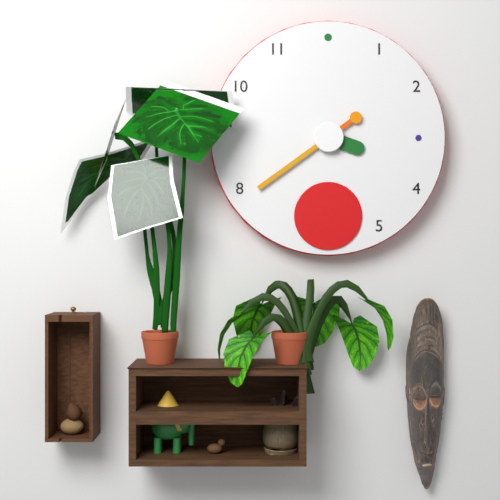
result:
3,39
